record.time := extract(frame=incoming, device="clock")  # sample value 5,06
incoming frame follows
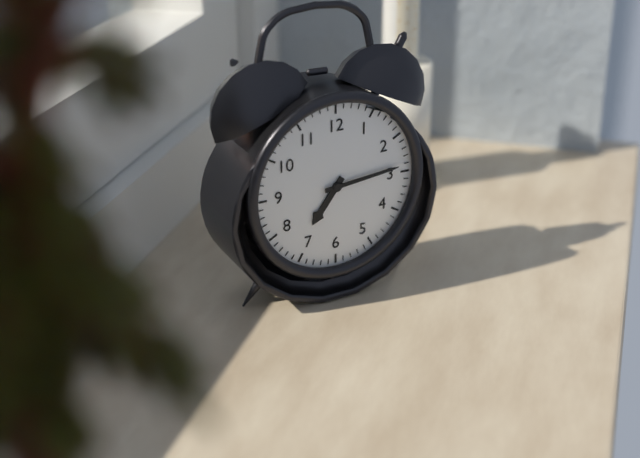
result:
7,14
